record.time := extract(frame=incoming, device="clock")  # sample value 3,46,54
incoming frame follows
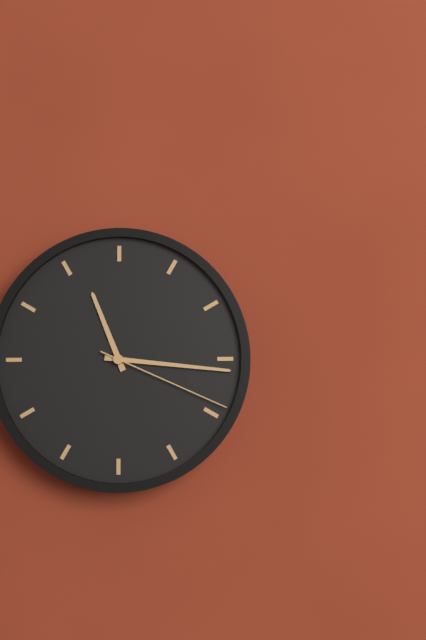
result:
11,16,19
